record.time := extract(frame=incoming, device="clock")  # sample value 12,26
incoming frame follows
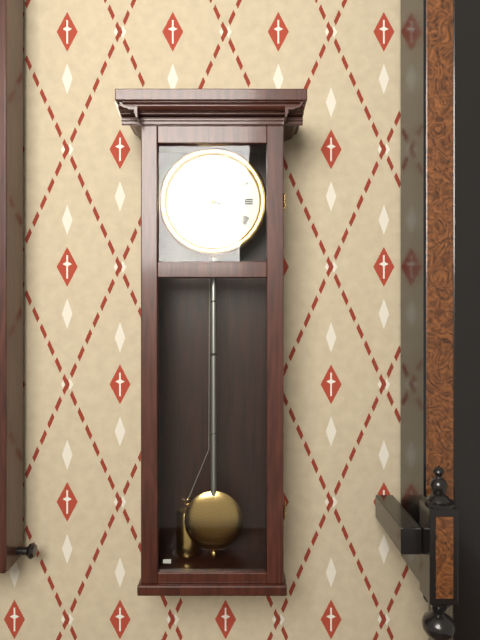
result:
3,33
